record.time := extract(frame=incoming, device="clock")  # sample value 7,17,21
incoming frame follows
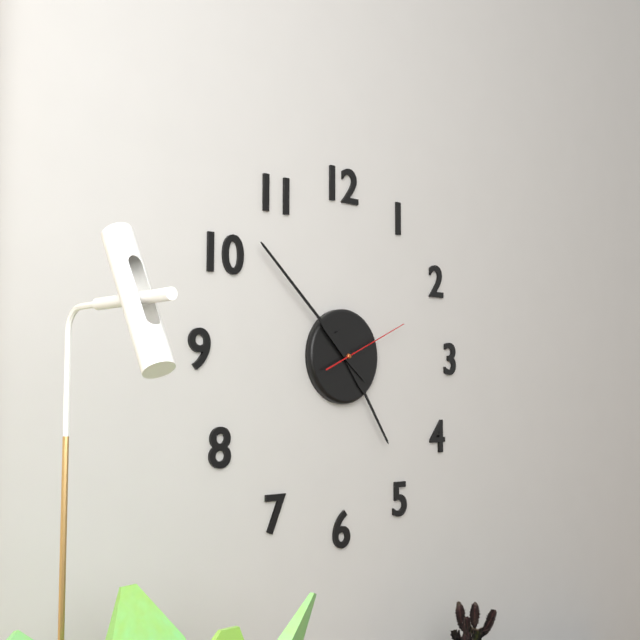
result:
4,52,11
